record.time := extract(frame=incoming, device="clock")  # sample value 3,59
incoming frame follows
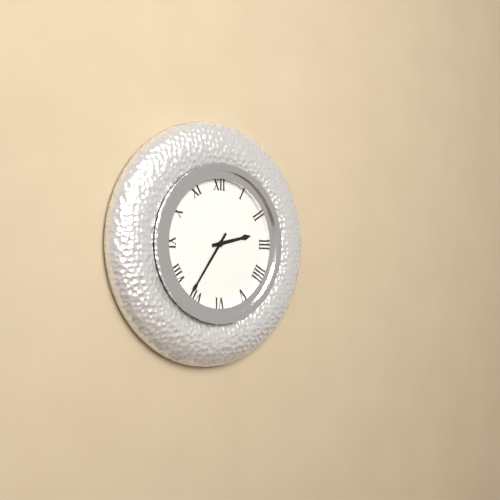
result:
2,36
